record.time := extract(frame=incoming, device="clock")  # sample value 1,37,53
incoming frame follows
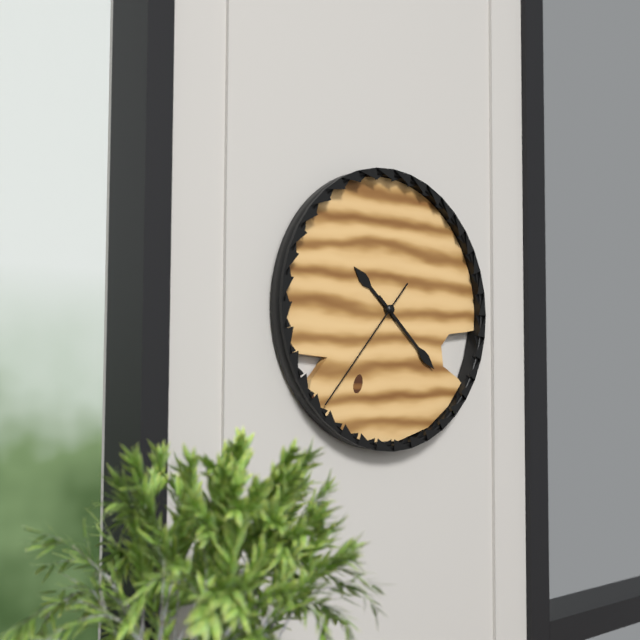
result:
10,22,37
